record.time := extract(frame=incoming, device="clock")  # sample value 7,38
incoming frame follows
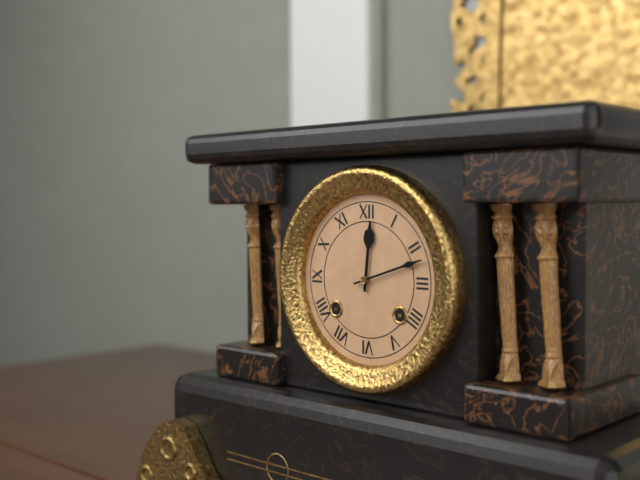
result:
12,12
